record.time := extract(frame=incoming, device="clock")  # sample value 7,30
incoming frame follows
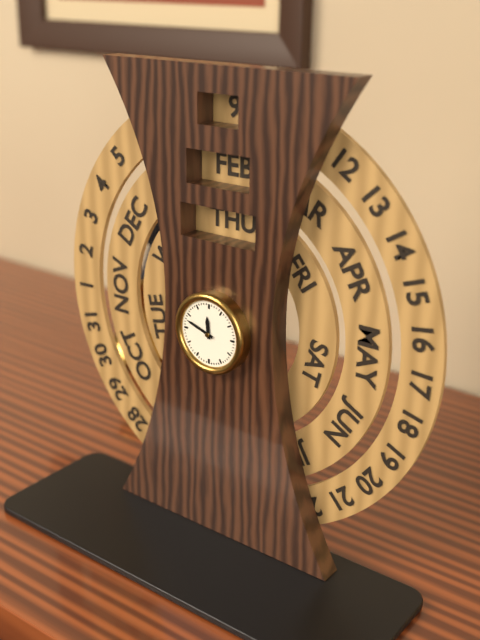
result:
11,48
